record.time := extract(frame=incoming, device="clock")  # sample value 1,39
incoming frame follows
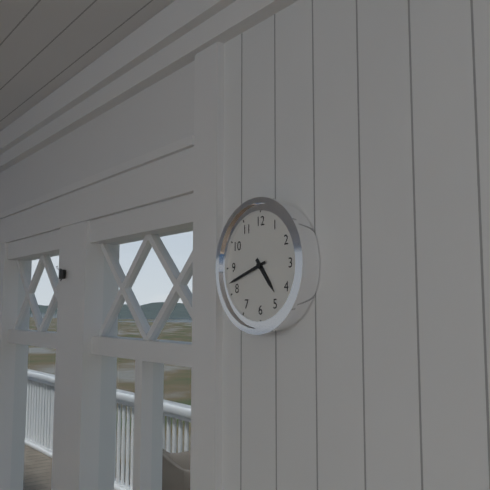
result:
4,42
